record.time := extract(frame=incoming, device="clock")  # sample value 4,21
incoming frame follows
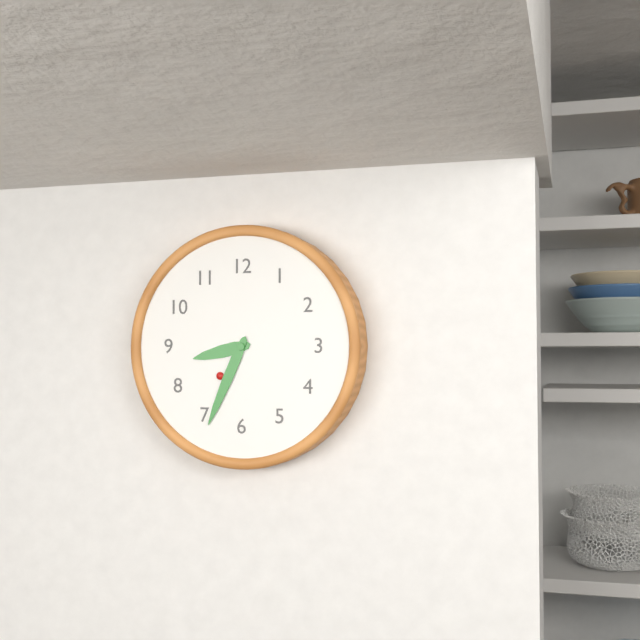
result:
8,34
